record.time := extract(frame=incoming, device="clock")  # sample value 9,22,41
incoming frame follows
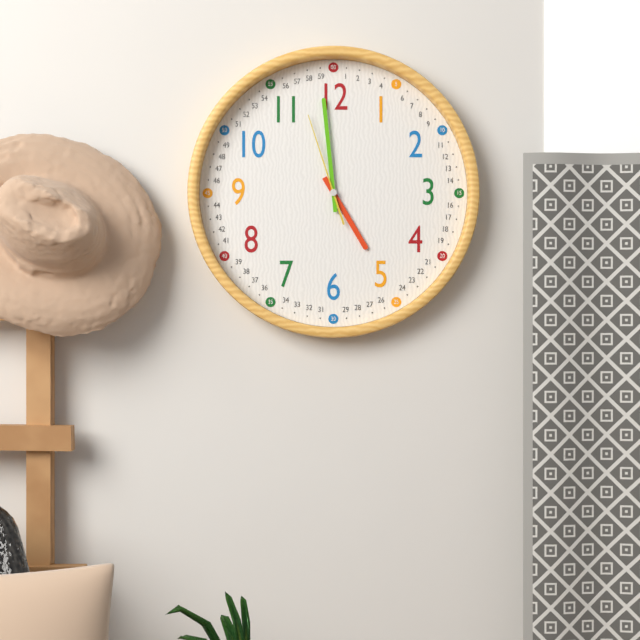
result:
4,59,57
